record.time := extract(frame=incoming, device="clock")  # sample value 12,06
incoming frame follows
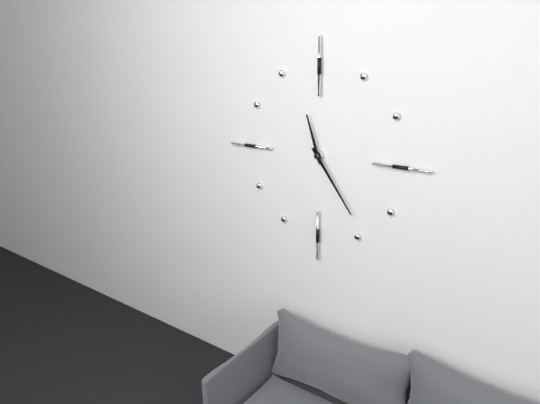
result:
11,24
